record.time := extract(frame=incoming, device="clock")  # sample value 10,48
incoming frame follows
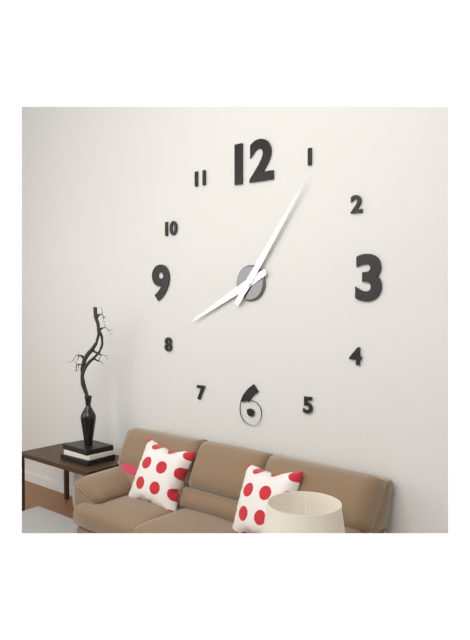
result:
8,06
